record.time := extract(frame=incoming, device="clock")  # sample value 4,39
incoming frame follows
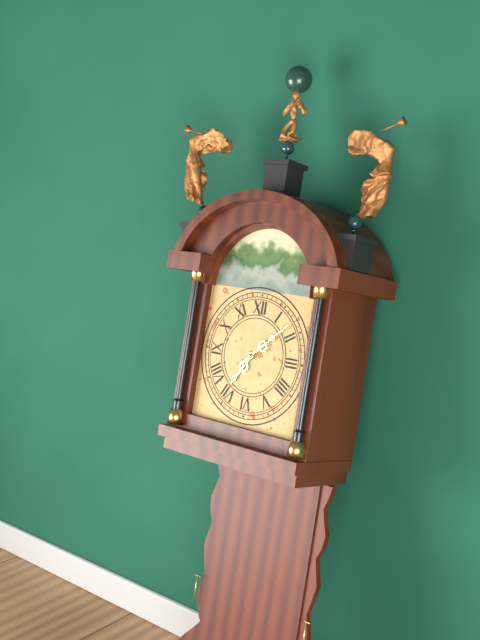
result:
7,08
